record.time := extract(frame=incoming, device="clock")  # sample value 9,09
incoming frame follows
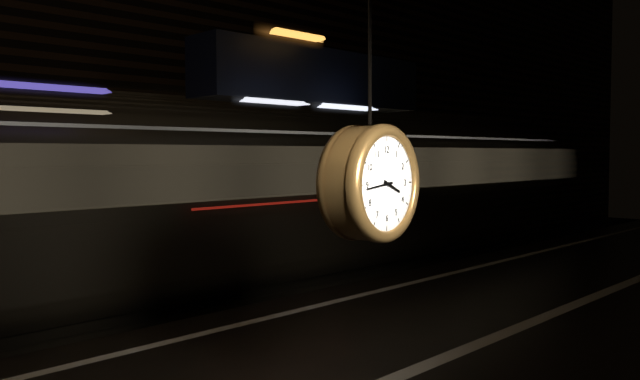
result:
3,44
